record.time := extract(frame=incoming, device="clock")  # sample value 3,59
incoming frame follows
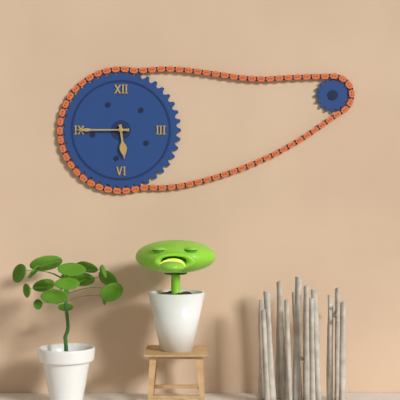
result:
5,45
